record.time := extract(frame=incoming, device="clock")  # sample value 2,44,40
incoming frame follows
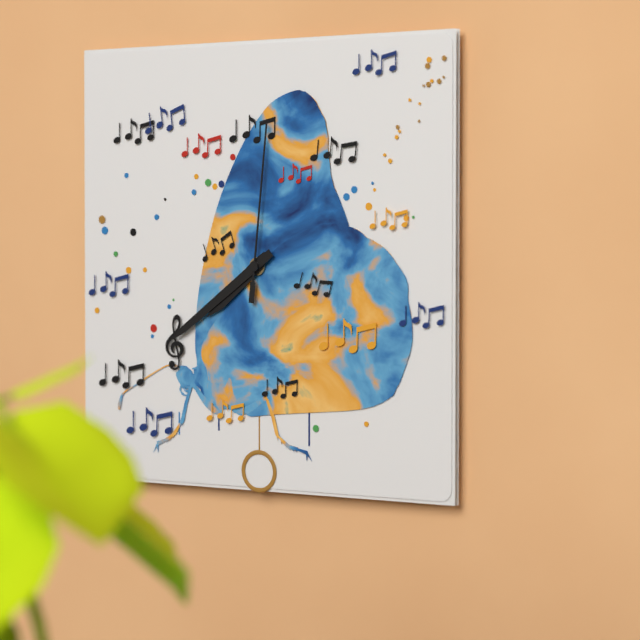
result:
7,39,01
